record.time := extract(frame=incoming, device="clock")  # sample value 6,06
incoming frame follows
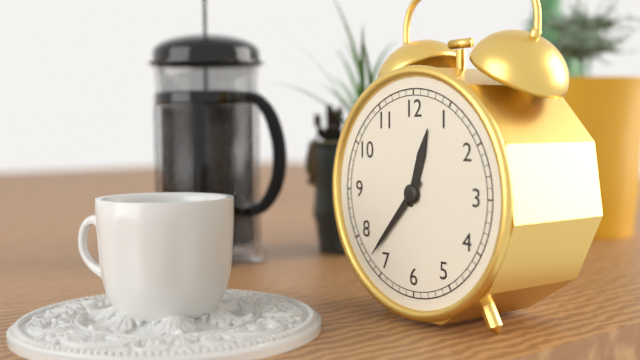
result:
12,37
